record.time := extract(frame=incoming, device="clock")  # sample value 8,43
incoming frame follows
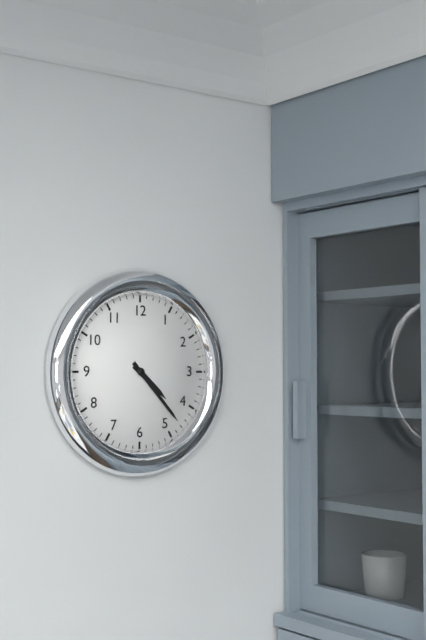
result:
4,23
